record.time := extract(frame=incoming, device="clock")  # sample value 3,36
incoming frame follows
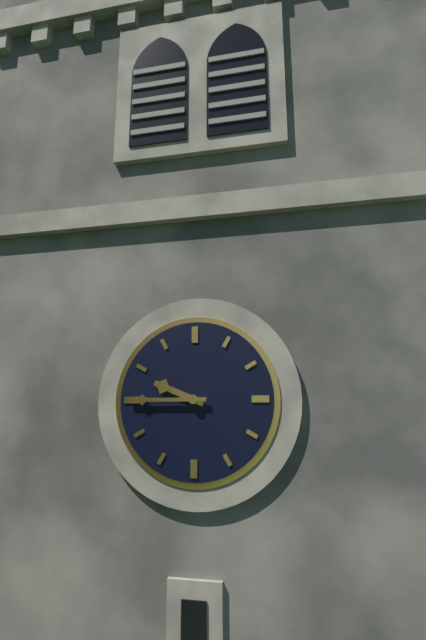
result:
9,45
